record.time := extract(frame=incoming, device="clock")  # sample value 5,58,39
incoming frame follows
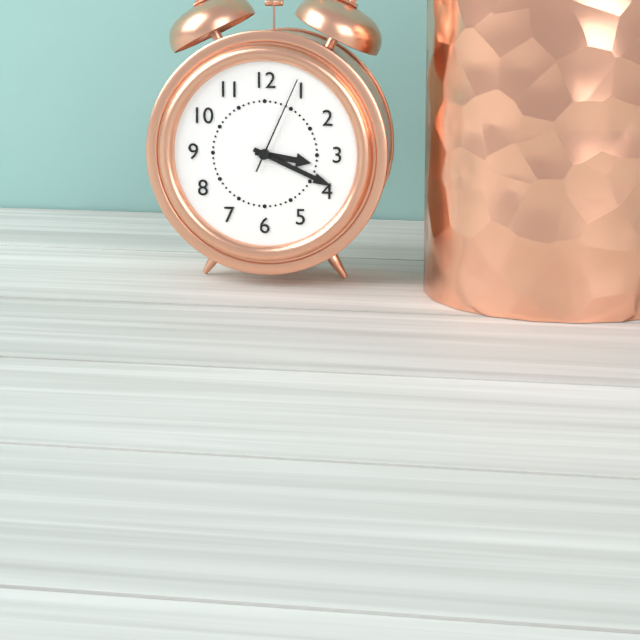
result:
3,19,04
